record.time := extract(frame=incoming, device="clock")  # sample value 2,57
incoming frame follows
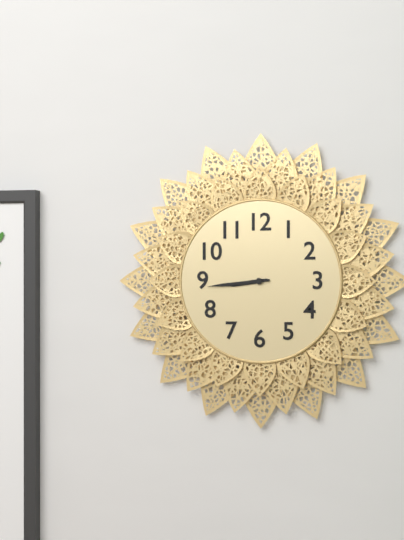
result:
8,44
